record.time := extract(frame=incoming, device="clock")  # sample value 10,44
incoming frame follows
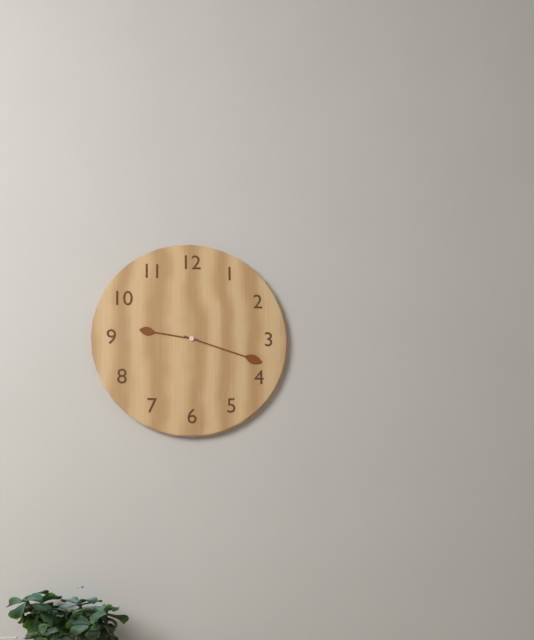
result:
9,18
